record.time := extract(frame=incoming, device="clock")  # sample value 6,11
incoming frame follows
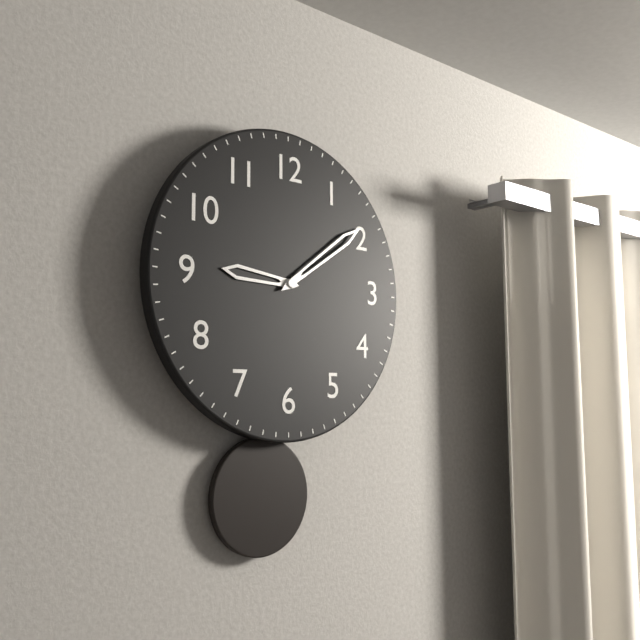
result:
9,09
